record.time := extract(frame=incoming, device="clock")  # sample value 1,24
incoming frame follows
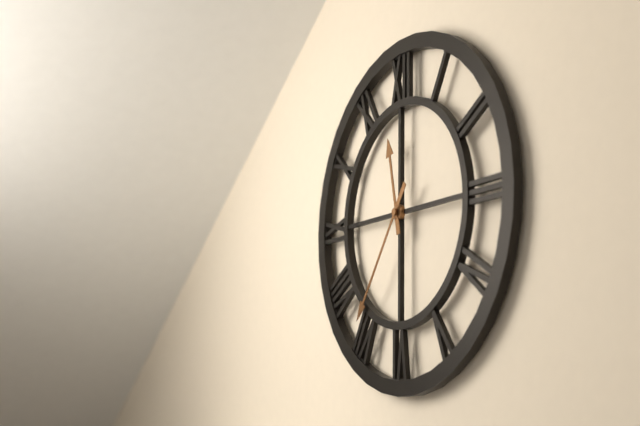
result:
11,36
